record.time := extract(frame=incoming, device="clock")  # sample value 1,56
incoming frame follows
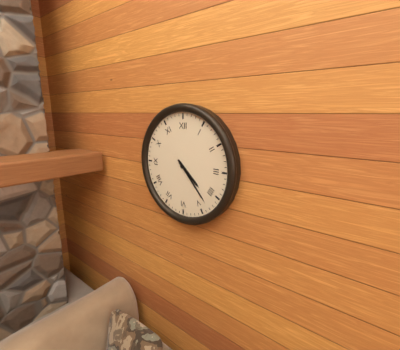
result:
4,23
